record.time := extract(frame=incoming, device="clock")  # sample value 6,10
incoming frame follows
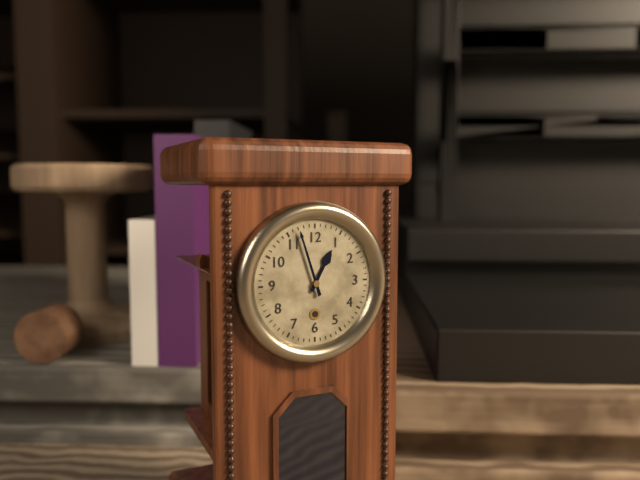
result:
12,57
